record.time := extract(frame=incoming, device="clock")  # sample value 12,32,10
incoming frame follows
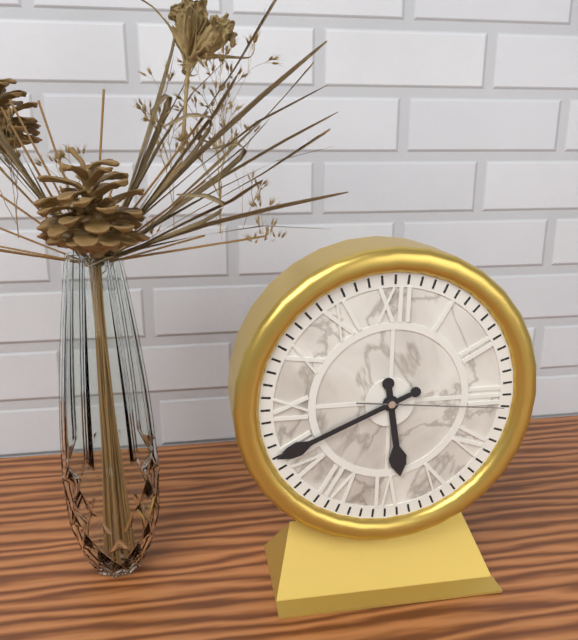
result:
5,41,16
